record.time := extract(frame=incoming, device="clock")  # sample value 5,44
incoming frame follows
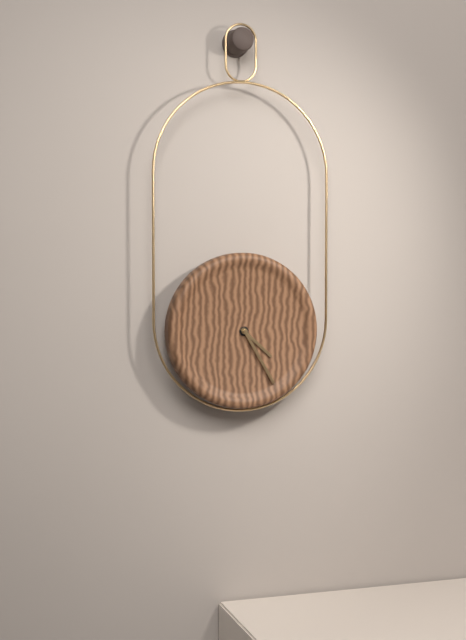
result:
4,25
